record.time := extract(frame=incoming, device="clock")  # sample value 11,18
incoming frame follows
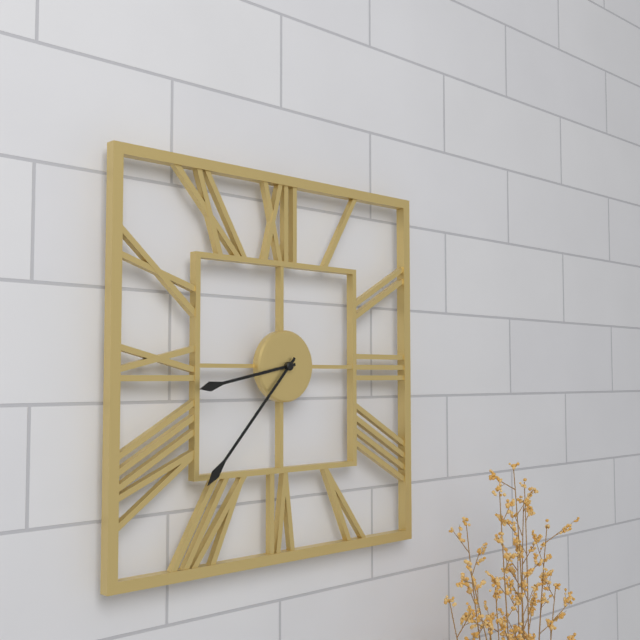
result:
8,37
